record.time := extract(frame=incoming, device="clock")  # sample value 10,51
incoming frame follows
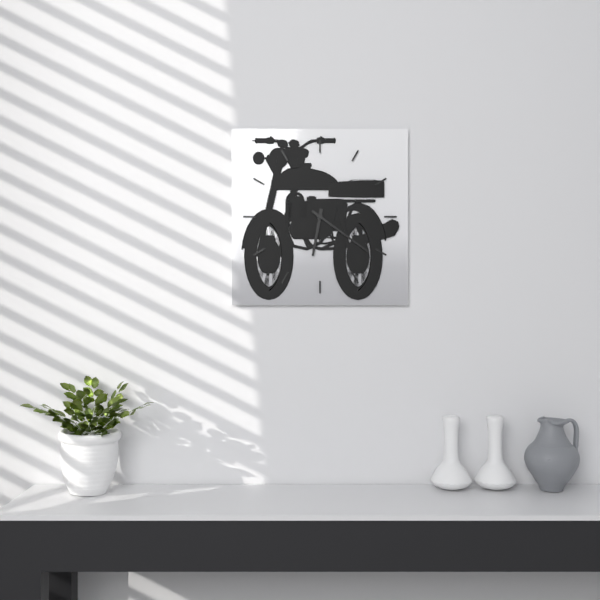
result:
6,21
